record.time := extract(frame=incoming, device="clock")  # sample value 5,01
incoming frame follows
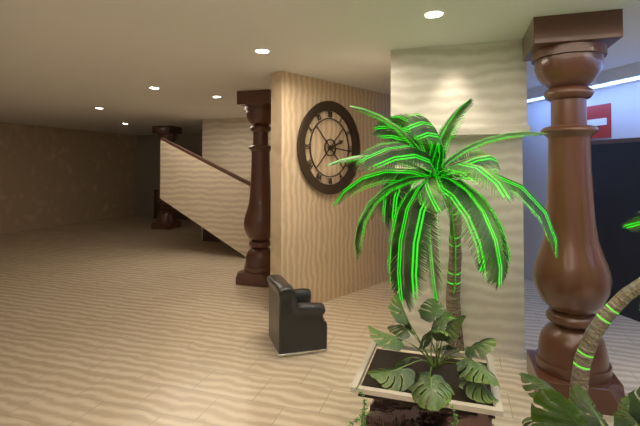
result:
2,16
